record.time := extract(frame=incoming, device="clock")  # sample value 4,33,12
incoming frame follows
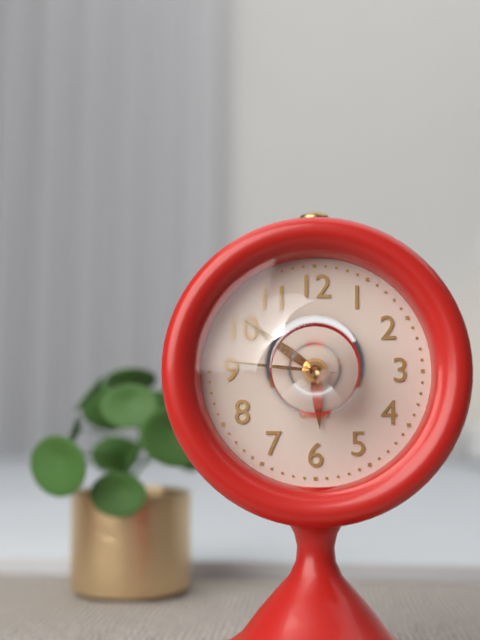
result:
5,51,46
